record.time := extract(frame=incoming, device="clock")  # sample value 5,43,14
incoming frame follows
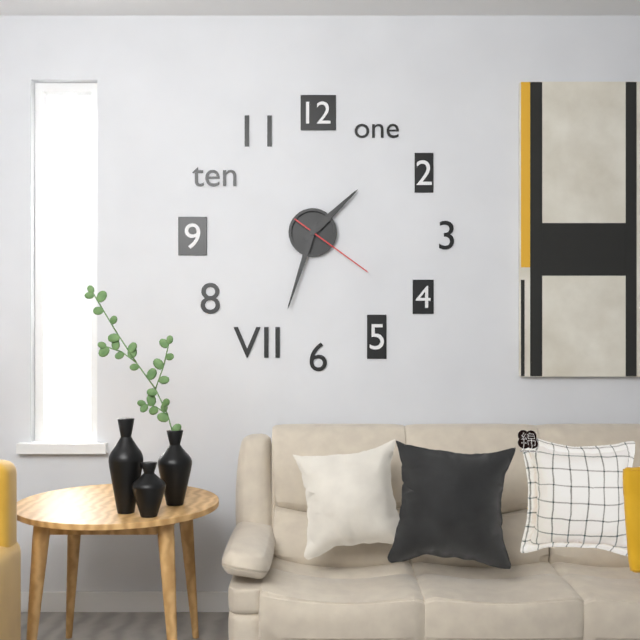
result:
1,33,21
